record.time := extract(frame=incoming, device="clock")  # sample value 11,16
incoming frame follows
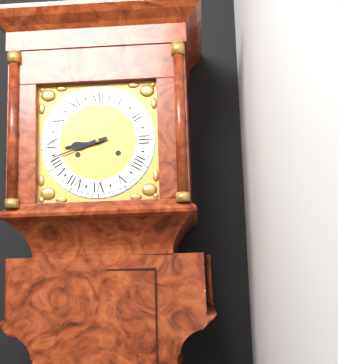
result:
8,42
